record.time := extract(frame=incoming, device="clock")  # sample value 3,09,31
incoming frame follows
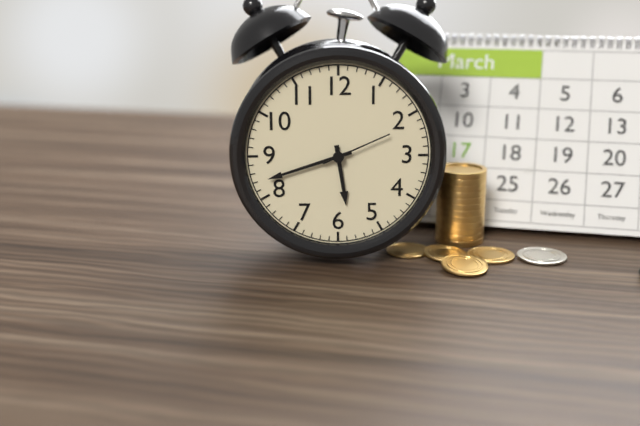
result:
5,42,11
